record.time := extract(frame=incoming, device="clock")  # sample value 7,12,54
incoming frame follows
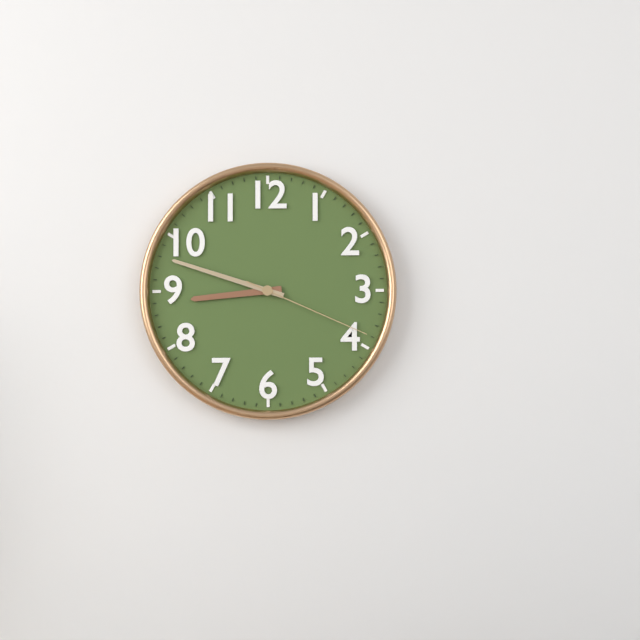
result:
8,48,19
